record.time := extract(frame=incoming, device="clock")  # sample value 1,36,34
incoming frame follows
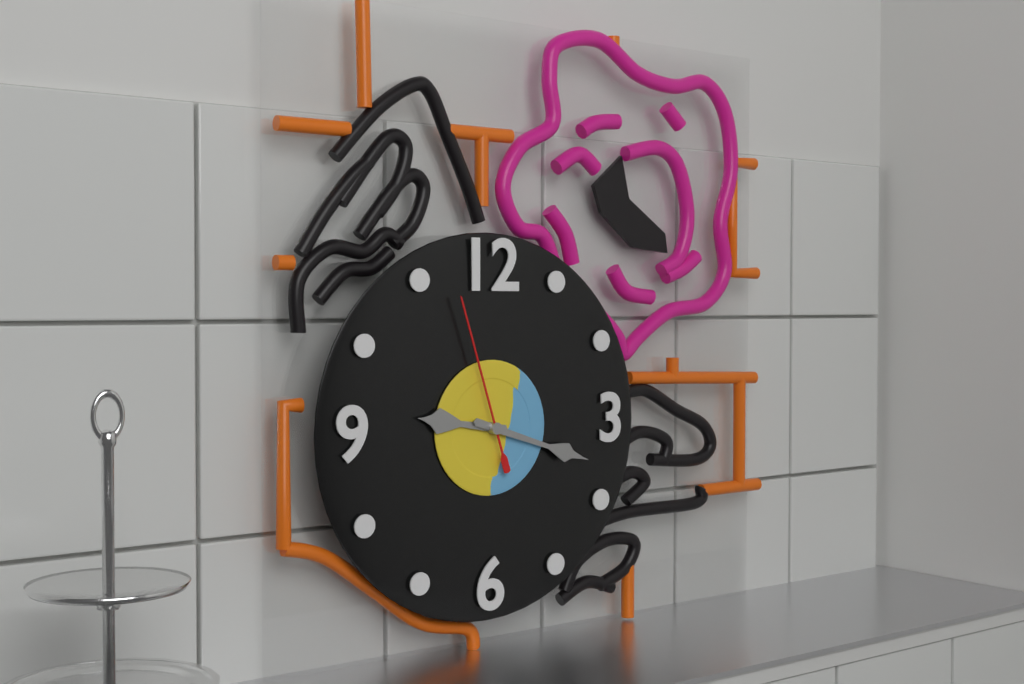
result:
9,18,57
